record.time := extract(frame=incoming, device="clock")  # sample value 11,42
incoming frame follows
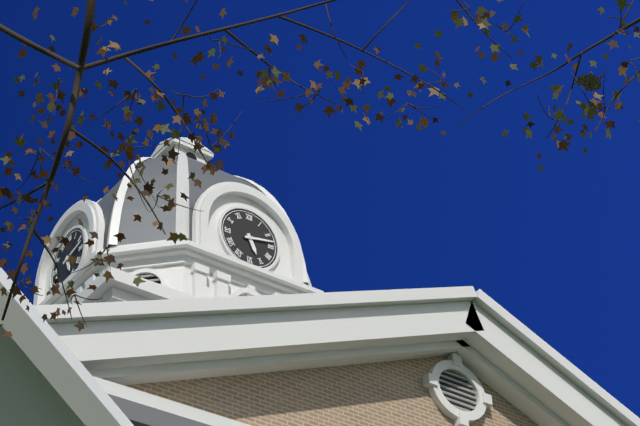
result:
5,13
